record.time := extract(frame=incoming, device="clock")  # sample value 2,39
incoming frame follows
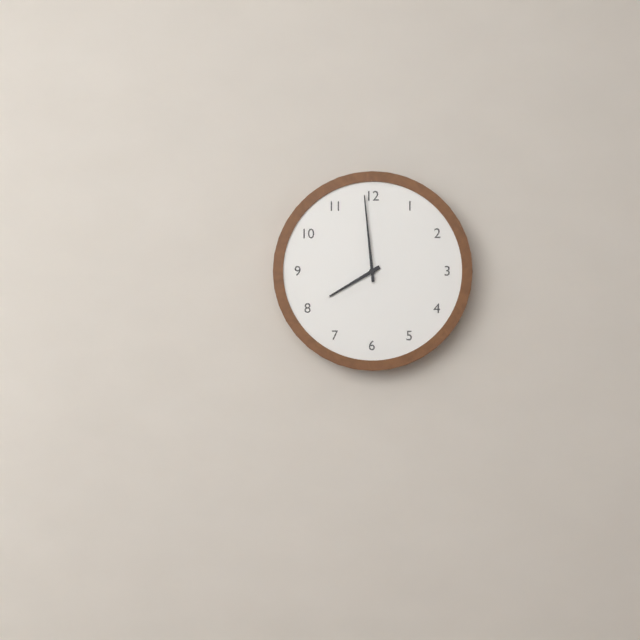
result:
7,59
